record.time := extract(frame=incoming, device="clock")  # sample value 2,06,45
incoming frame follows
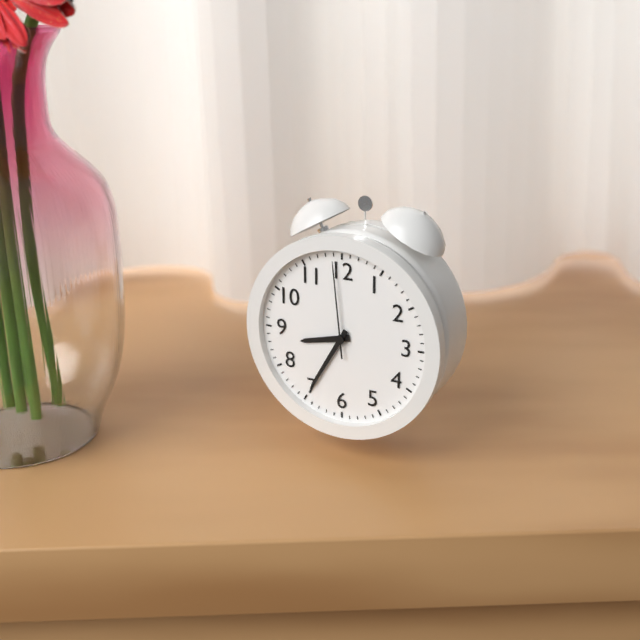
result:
8,35,59
